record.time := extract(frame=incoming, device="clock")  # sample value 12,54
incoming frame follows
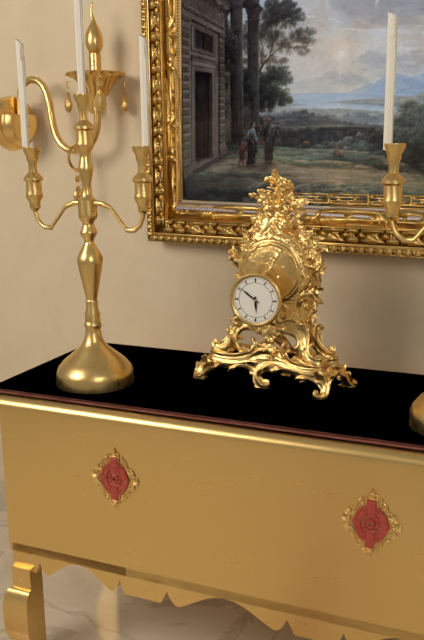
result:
5,51
